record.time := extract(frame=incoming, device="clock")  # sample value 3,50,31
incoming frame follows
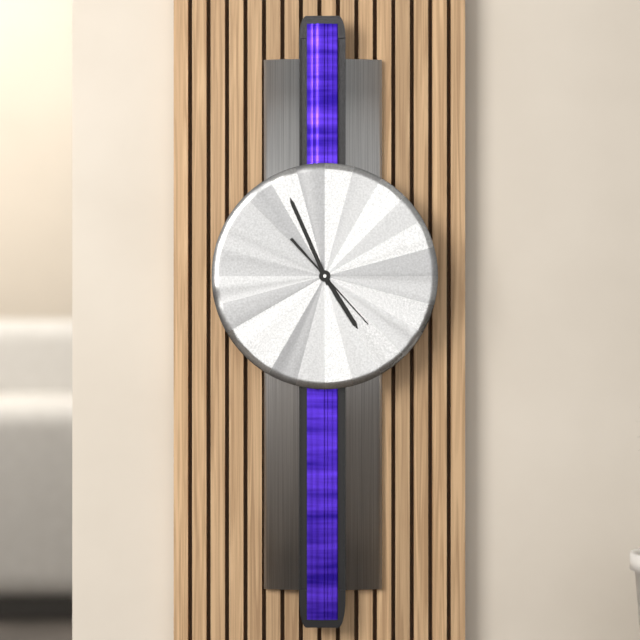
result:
4,56,23
